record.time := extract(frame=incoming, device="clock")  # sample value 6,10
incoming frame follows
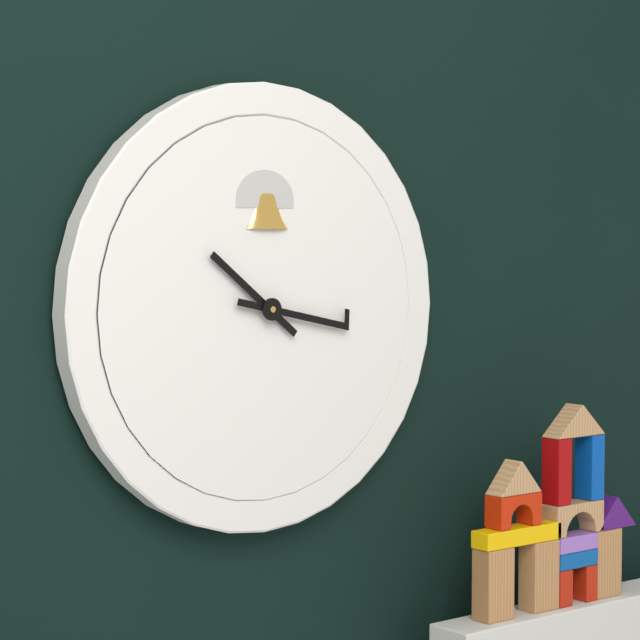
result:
10,17
